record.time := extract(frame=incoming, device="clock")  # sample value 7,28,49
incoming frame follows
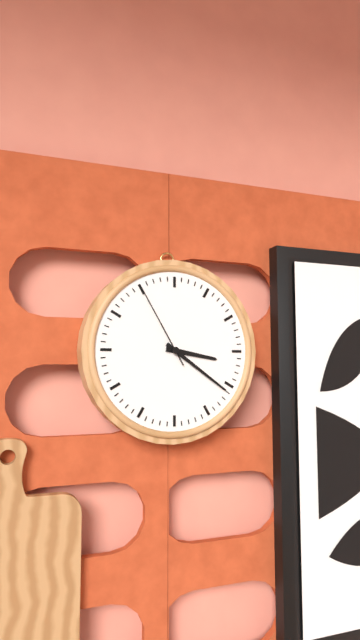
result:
3,21,55
